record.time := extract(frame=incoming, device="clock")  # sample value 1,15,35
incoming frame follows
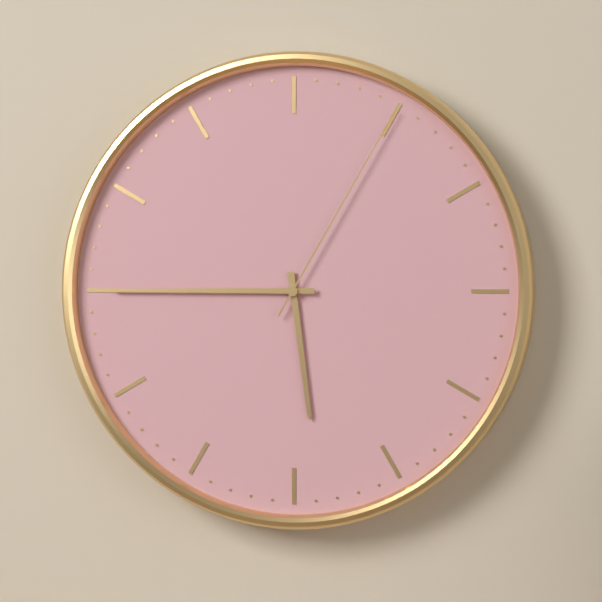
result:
5,45,05
